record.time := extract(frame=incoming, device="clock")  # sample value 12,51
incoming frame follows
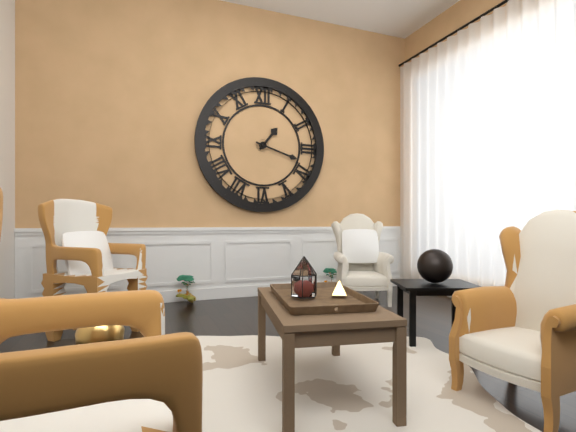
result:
1,18
